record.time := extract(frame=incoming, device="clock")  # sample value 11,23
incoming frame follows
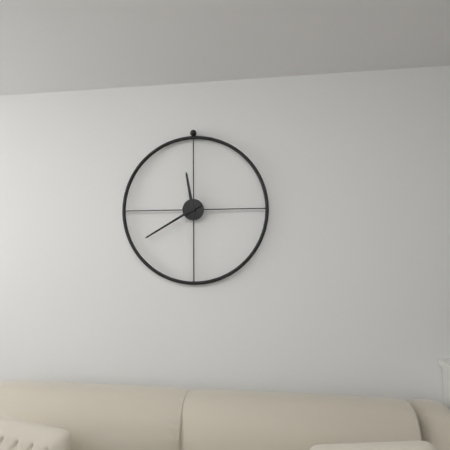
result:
11,40
